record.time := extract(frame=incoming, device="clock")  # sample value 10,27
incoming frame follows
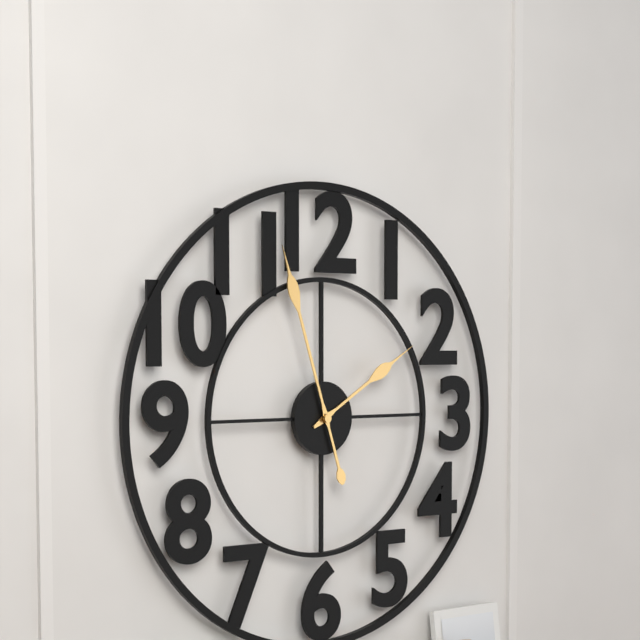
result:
1,57
